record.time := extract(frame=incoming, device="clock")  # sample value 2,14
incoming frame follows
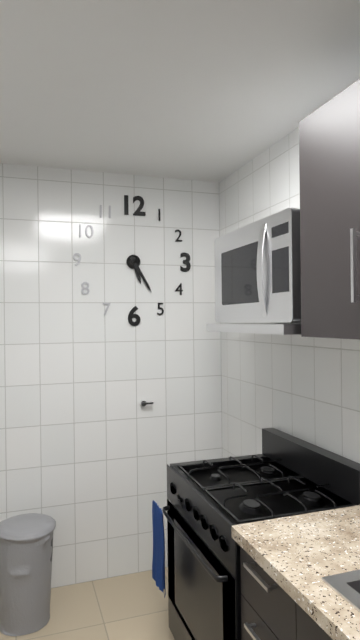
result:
5,25
